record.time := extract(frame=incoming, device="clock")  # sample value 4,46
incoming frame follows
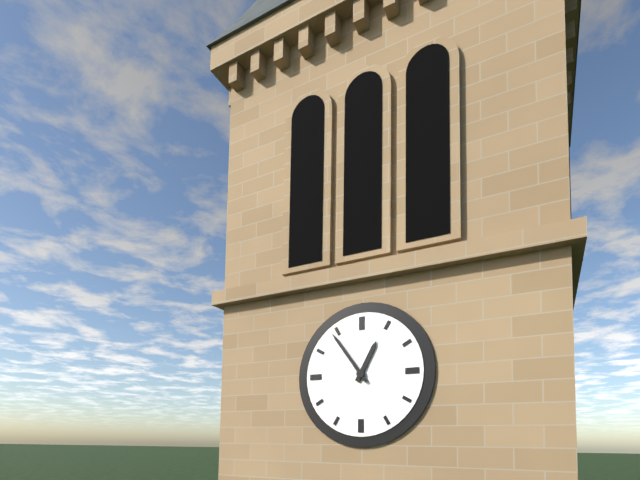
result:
12,54
